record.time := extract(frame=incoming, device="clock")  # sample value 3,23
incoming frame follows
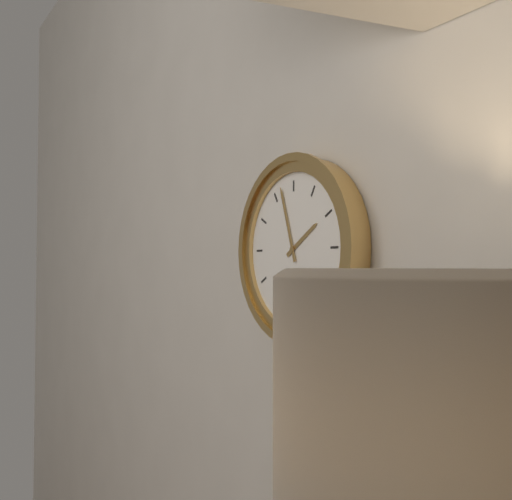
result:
1,57
